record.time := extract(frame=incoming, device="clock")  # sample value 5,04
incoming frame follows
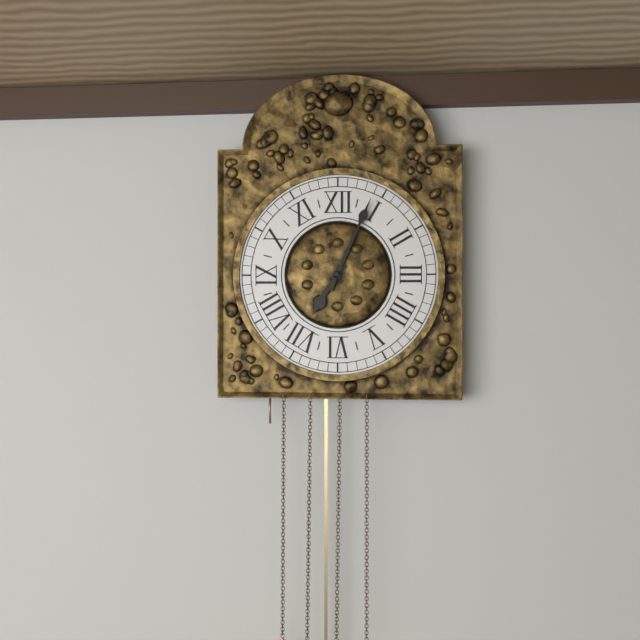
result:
7,04
